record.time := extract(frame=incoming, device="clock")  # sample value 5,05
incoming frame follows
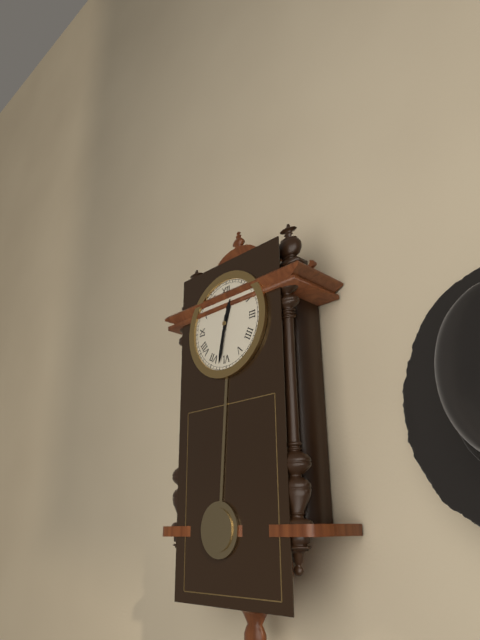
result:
12,32
